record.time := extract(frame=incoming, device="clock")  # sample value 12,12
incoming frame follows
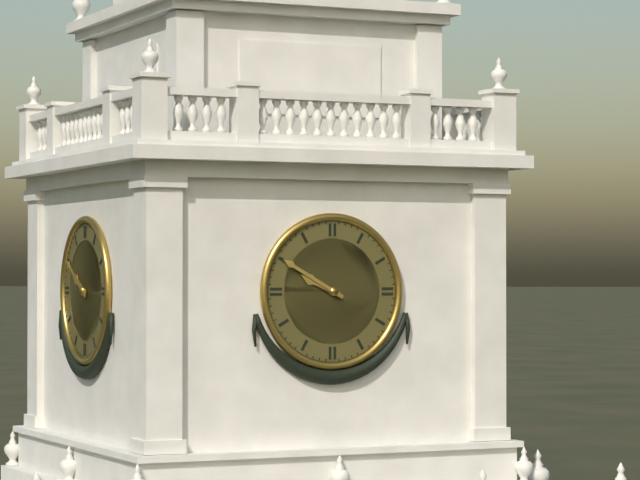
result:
9,50
